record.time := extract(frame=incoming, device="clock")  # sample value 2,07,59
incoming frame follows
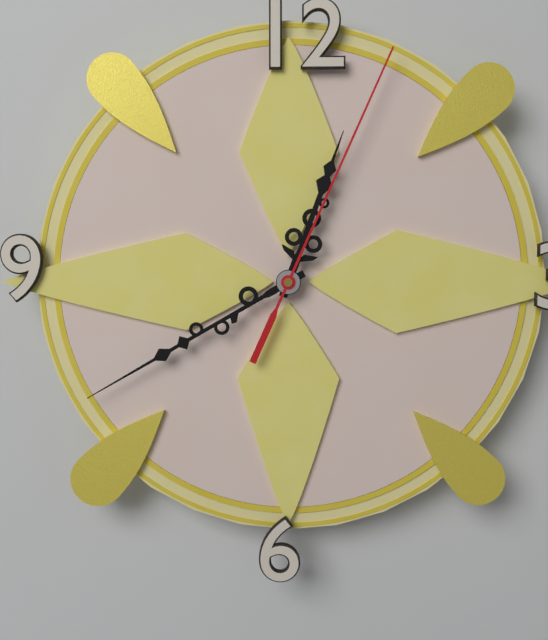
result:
12,40,04
